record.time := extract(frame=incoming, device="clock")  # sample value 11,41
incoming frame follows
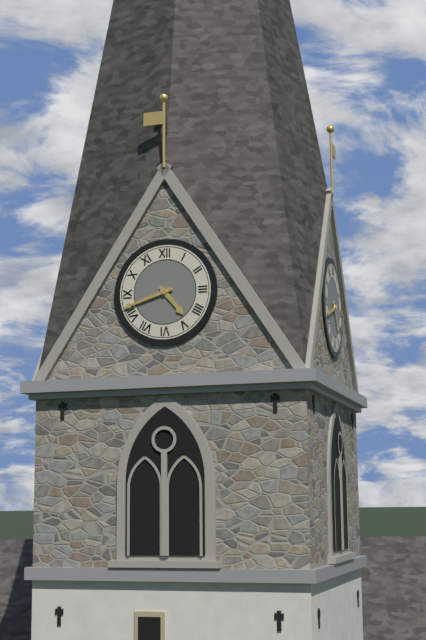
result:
4,42
